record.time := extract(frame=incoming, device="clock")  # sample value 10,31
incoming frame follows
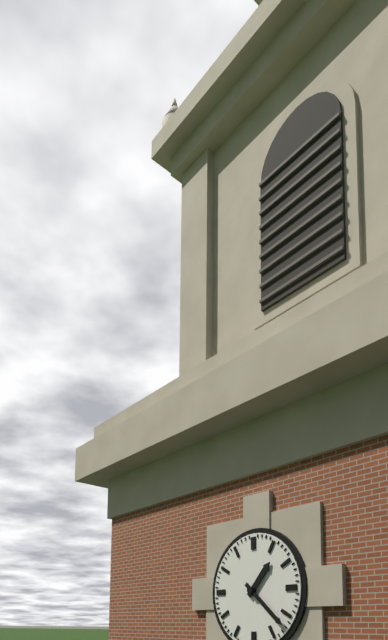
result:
1,22
